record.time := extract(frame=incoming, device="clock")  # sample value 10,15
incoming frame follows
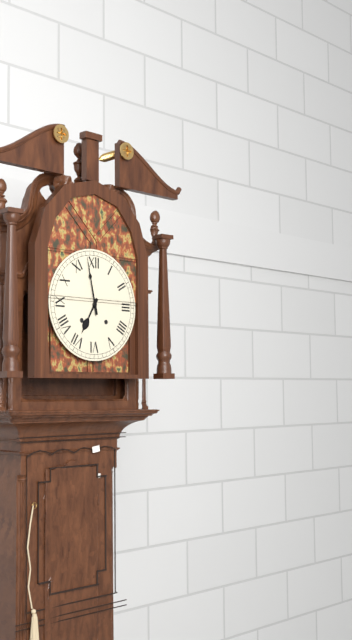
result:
6,58
